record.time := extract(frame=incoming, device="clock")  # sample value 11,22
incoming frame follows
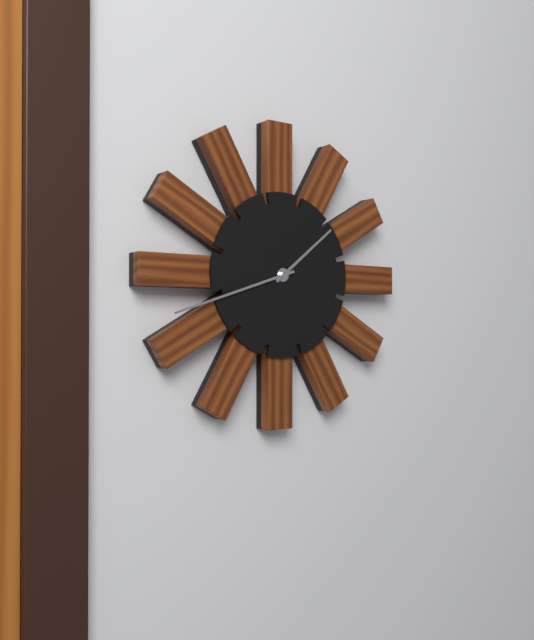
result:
1,42
